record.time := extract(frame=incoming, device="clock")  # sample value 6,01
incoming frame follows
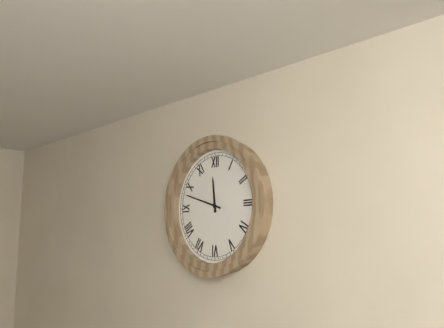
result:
11,48
